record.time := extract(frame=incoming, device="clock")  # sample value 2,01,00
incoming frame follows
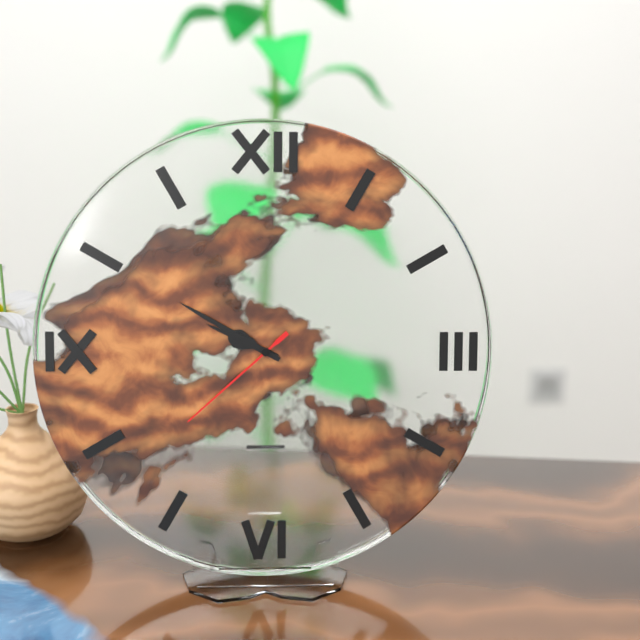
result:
9,50,38
